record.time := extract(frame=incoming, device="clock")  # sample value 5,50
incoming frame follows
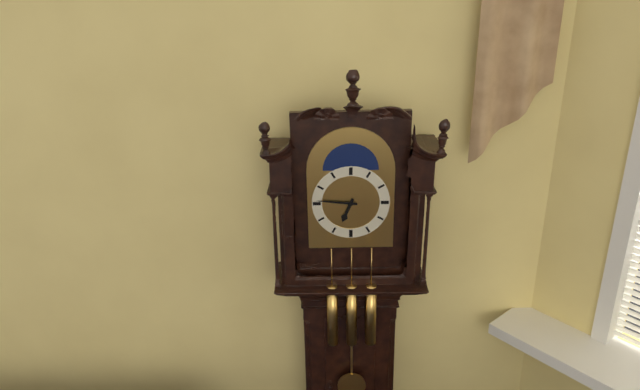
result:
6,46
